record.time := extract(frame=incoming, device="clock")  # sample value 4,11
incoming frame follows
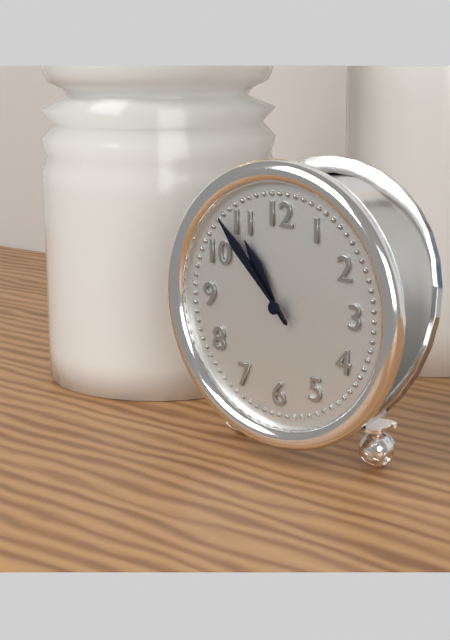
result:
10,53
